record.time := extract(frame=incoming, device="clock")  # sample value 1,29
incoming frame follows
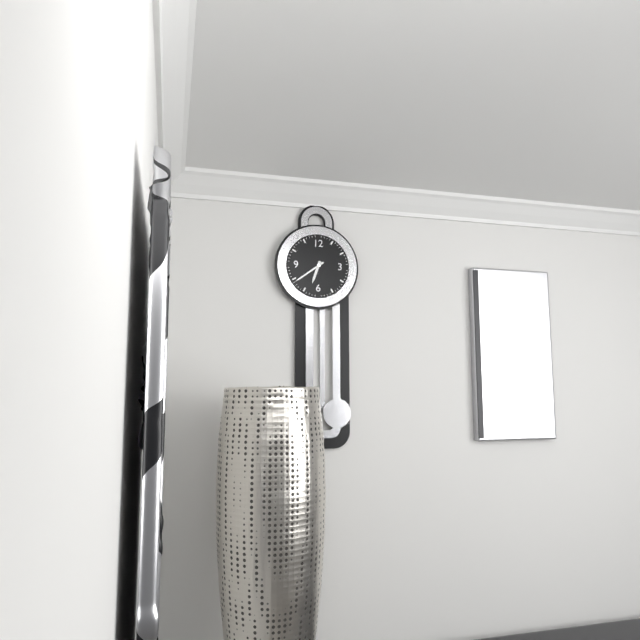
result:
6,39
